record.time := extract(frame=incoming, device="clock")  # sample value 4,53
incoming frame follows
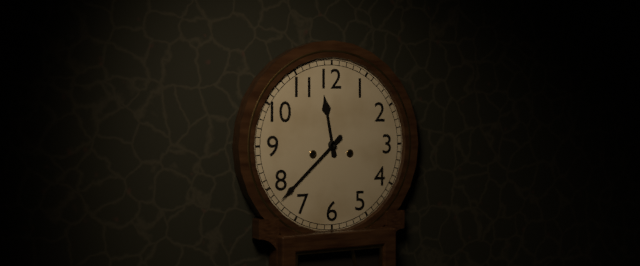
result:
11,38
